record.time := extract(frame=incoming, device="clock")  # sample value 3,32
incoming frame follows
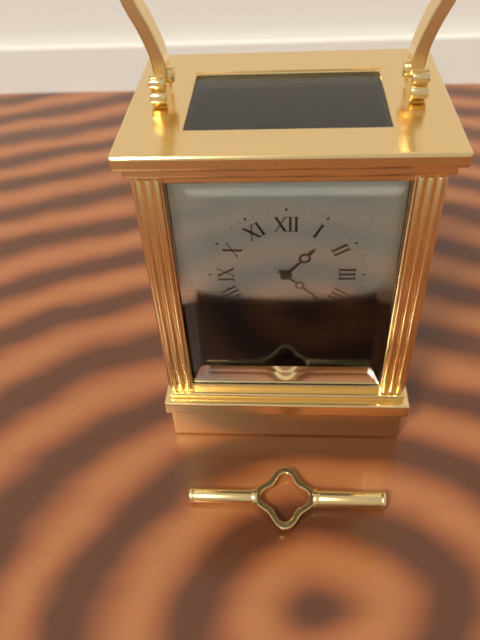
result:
1,22
